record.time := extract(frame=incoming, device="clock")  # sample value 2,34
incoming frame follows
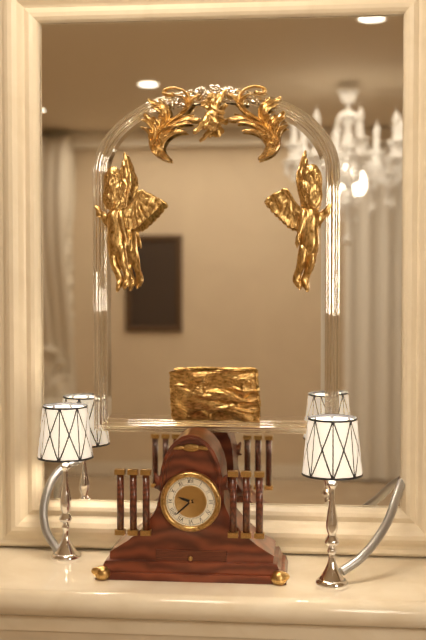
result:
9,38
